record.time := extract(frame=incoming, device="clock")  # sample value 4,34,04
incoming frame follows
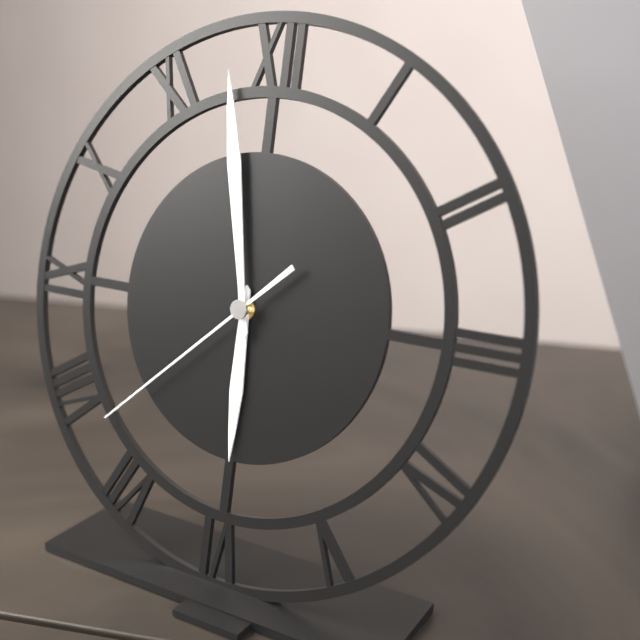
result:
5,58,38
